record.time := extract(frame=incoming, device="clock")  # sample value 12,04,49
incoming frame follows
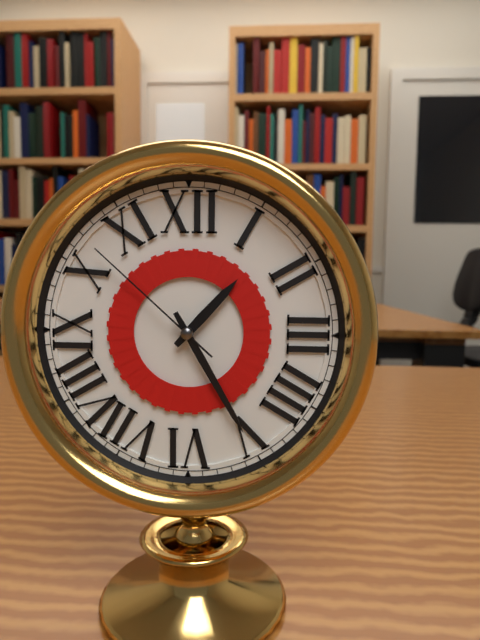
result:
1,25,52
